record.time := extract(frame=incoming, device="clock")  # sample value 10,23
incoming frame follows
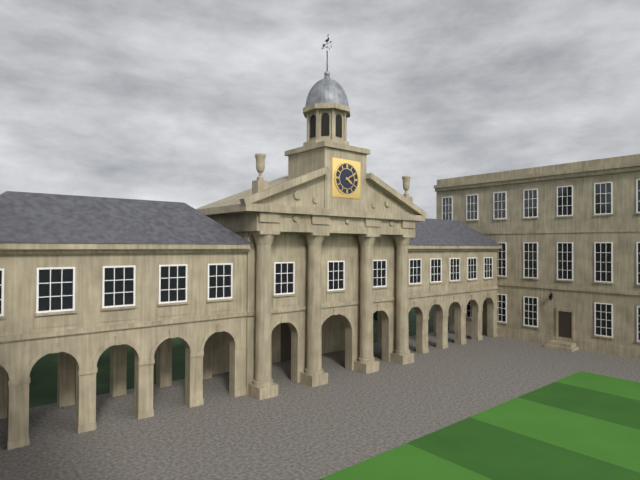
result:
4,10
